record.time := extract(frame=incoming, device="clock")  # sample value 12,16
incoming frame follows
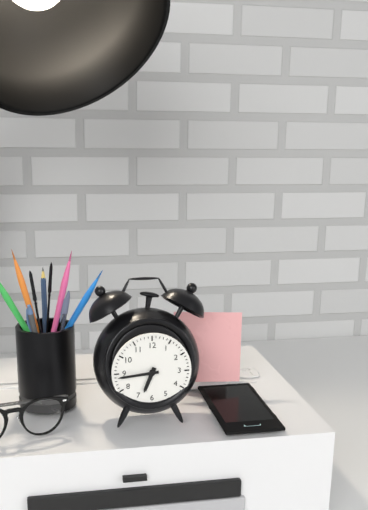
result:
6,44
